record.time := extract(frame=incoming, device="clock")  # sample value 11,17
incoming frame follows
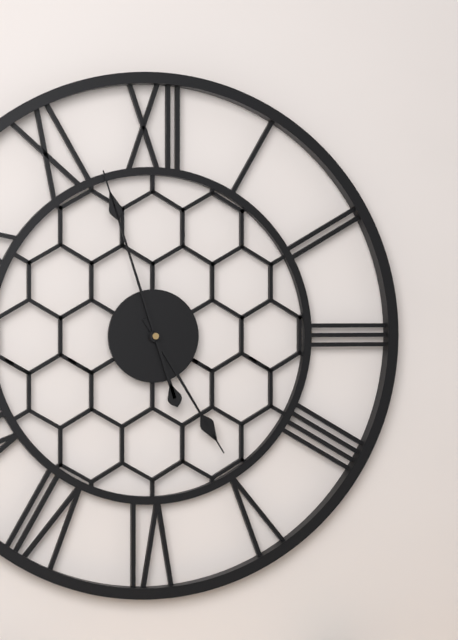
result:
4,57
